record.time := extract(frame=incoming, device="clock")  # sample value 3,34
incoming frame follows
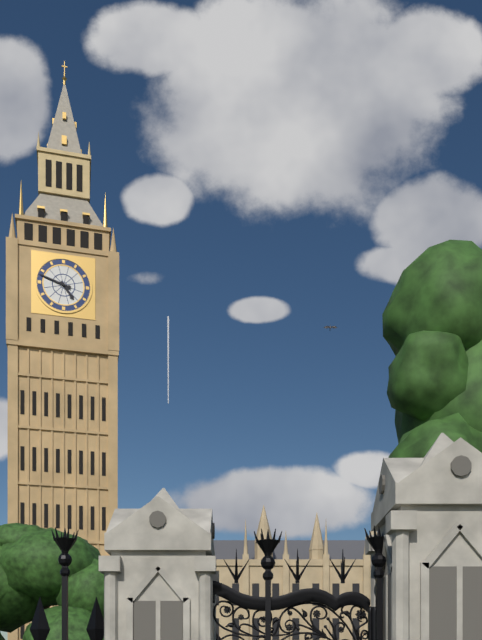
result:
4,48
